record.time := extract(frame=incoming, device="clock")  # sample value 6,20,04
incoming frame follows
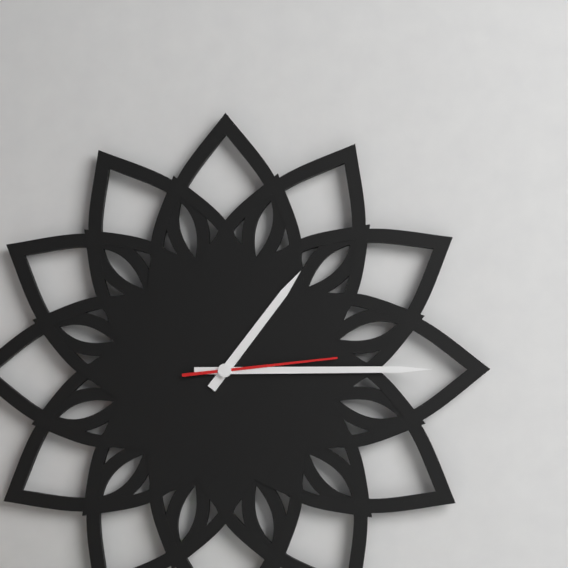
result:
1,15,14
